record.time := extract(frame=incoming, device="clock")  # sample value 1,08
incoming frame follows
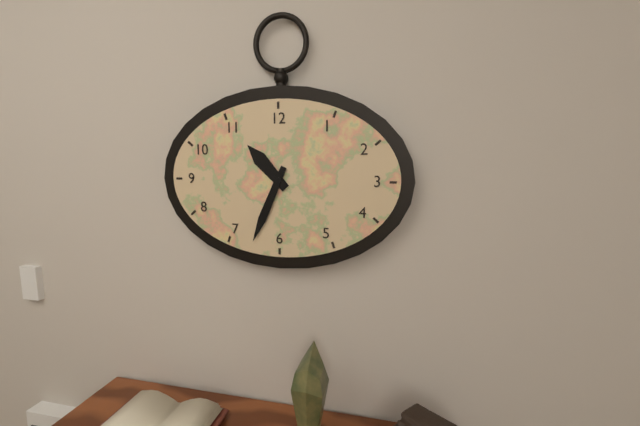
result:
10,34
